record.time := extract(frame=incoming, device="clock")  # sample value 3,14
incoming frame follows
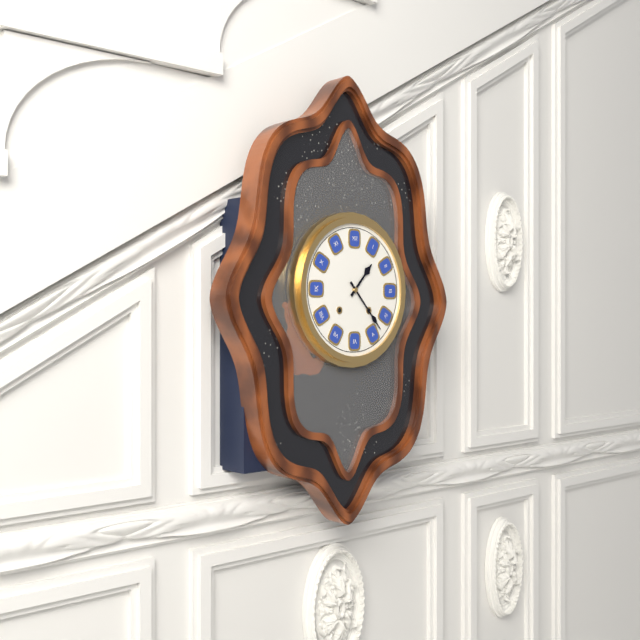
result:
1,23
